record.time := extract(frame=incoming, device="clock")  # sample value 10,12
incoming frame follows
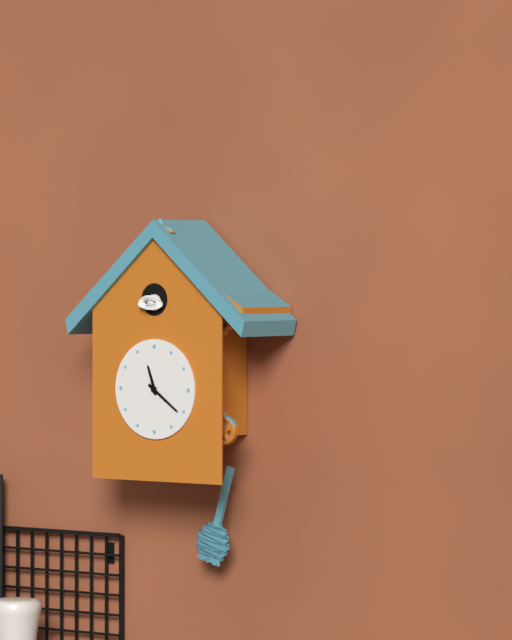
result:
11,21
